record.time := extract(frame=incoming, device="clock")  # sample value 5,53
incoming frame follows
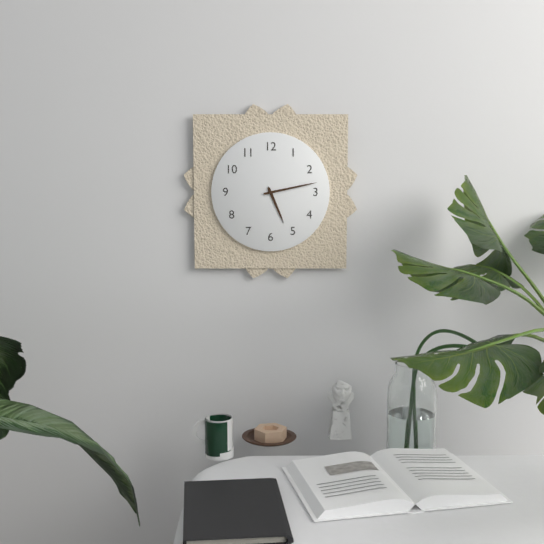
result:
5,13
